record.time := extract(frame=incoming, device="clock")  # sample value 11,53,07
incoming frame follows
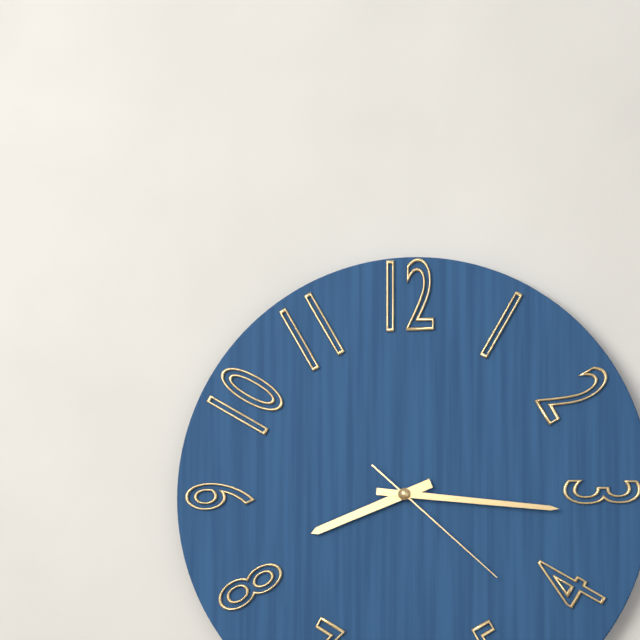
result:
8,16,22
